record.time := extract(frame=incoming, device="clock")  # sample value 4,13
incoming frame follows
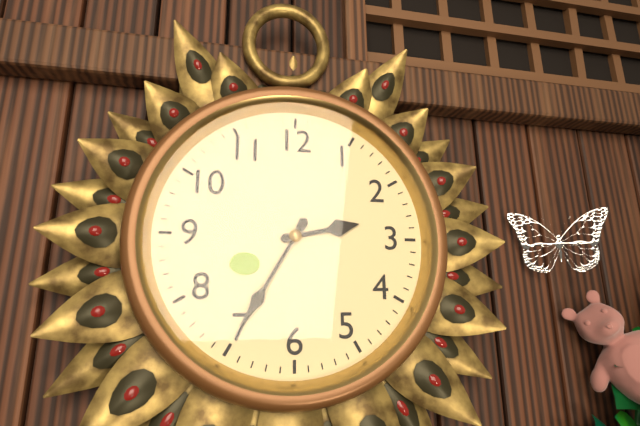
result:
2,35
